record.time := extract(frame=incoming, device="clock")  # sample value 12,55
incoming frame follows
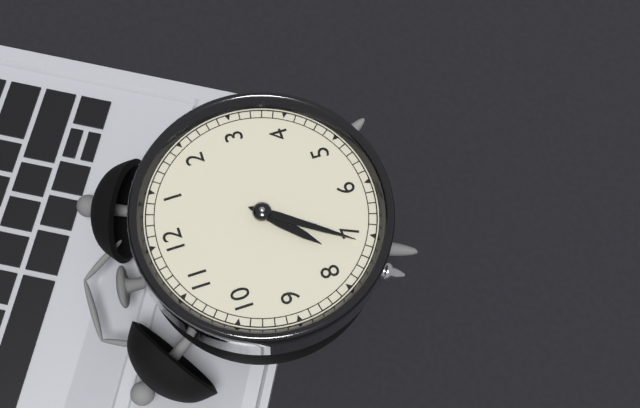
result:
7,36
